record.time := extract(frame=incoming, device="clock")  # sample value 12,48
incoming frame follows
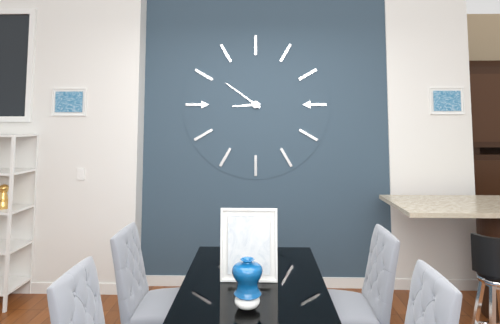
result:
8,51
